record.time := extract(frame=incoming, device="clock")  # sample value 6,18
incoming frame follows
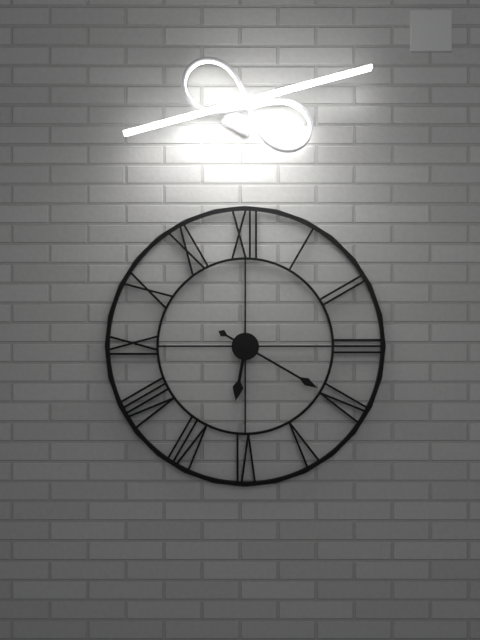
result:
6,20
